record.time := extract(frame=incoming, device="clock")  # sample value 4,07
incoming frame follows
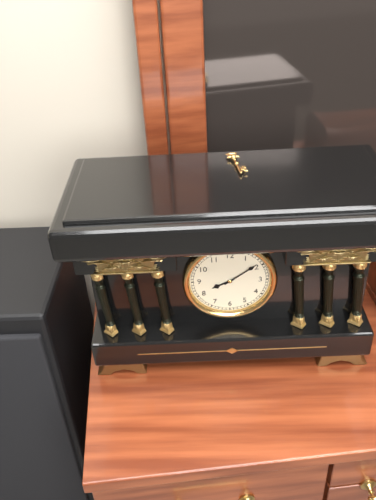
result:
8,09
